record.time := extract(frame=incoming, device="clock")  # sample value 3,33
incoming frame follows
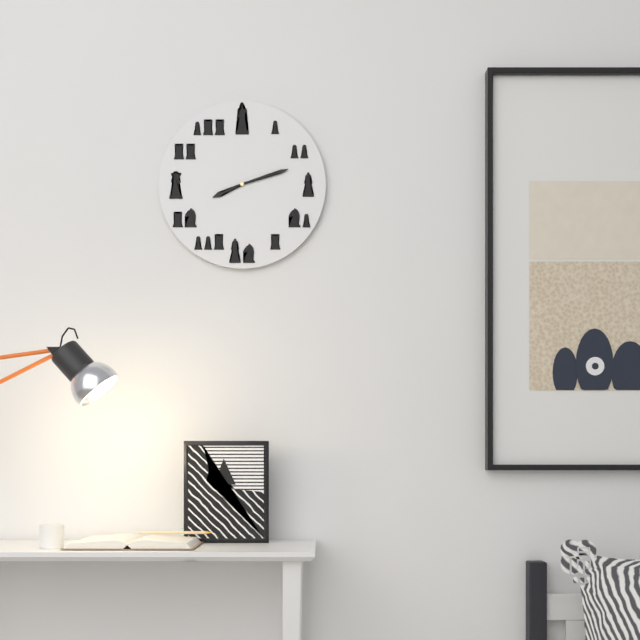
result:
8,12
